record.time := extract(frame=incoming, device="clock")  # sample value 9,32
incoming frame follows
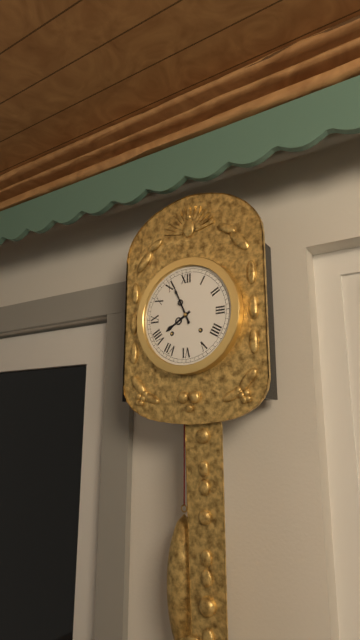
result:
7,56
